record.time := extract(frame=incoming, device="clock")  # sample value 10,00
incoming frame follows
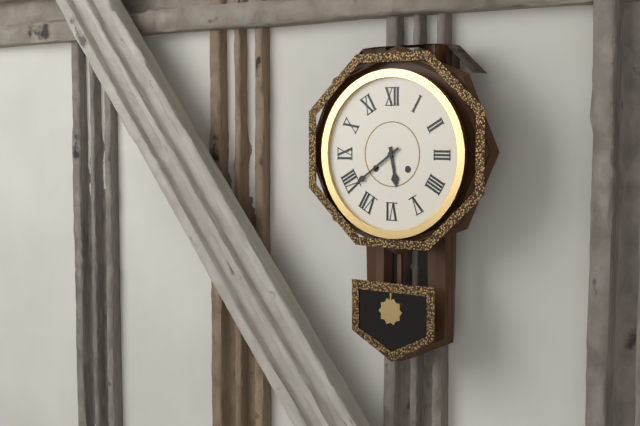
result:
5,39
